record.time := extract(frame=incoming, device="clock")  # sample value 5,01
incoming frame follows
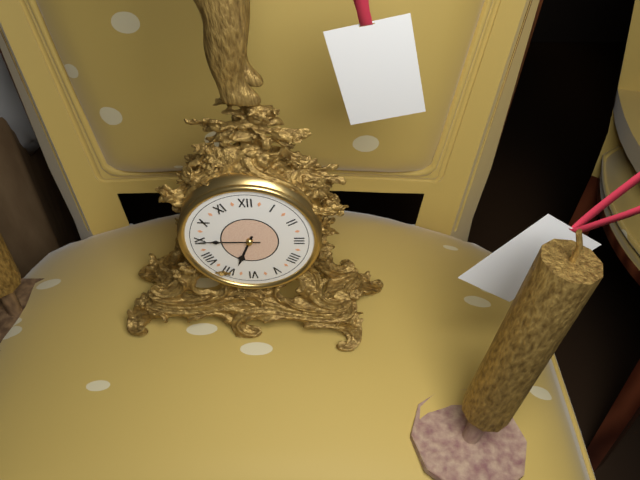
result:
6,45
